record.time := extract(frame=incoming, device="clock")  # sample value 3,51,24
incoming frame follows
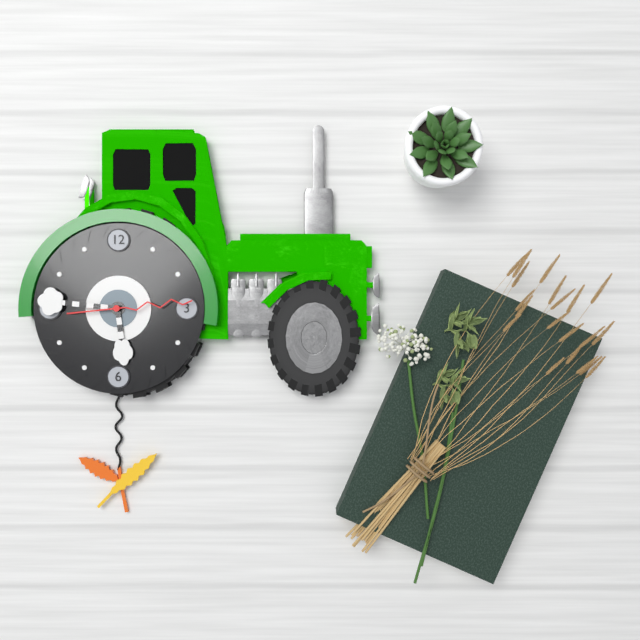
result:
5,46,14
